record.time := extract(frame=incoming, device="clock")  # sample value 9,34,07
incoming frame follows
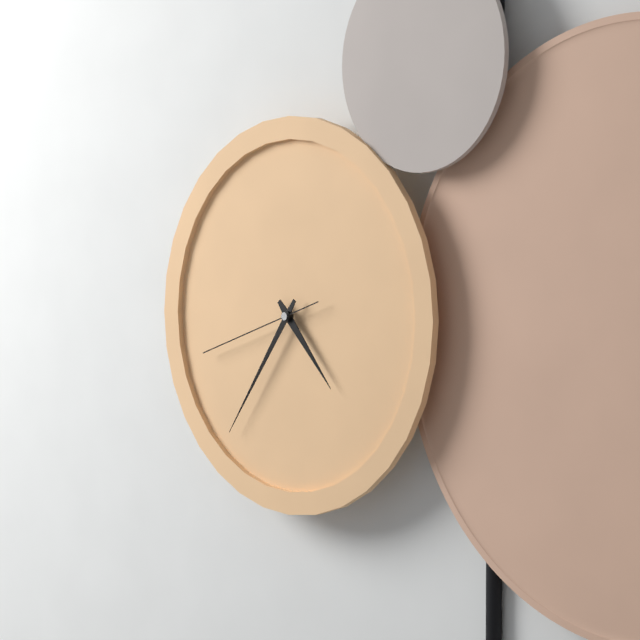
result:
4,36,42
